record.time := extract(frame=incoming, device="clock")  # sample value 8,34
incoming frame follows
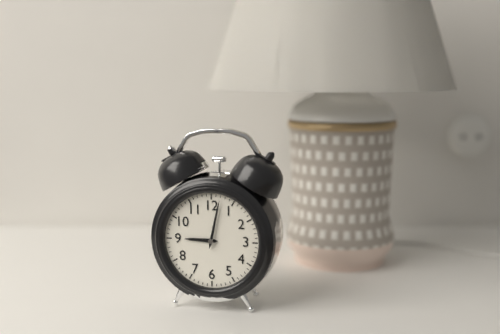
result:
9,02
